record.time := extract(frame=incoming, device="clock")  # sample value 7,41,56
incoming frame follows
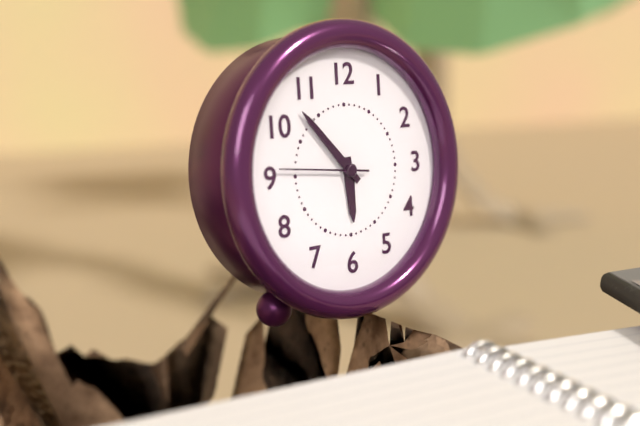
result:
5,53,46
